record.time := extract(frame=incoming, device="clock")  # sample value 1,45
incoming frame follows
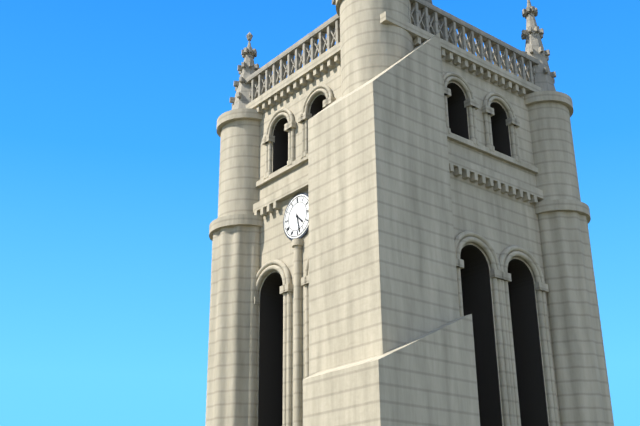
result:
4,28
